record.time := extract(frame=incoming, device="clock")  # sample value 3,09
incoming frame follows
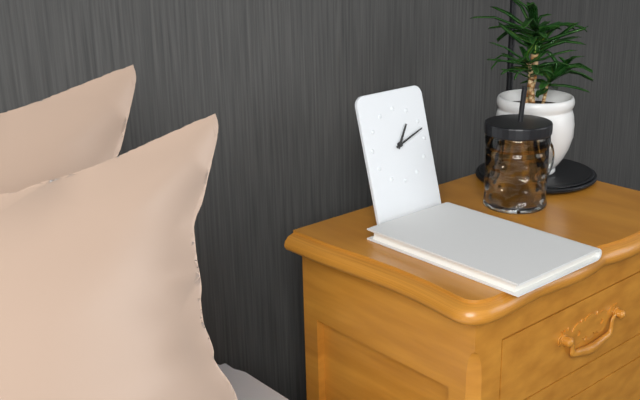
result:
1,12
